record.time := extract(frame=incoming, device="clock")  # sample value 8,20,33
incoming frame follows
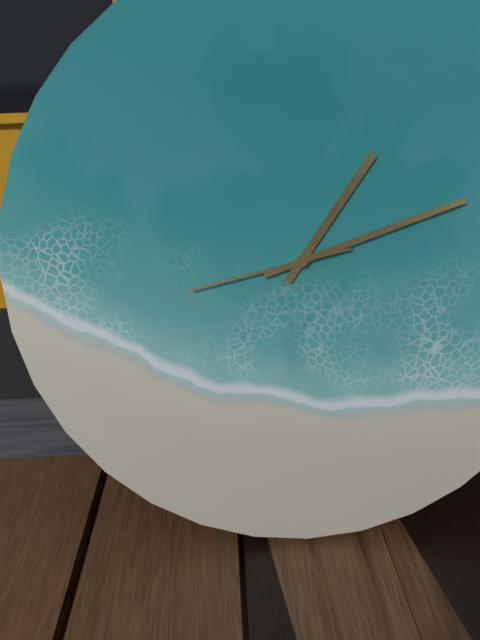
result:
1,12,43
